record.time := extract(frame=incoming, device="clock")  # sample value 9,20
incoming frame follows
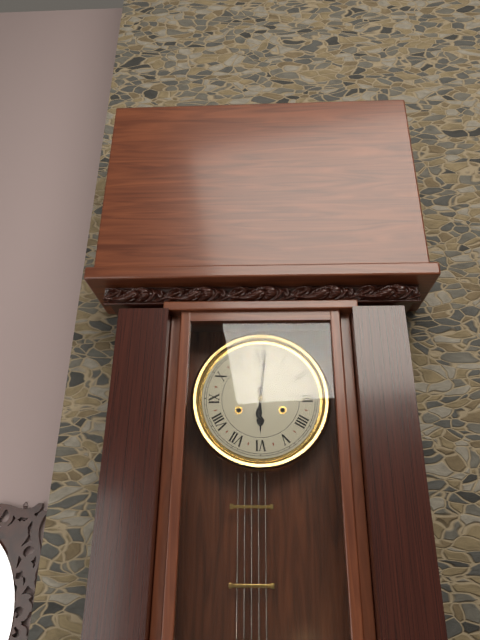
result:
6,01
